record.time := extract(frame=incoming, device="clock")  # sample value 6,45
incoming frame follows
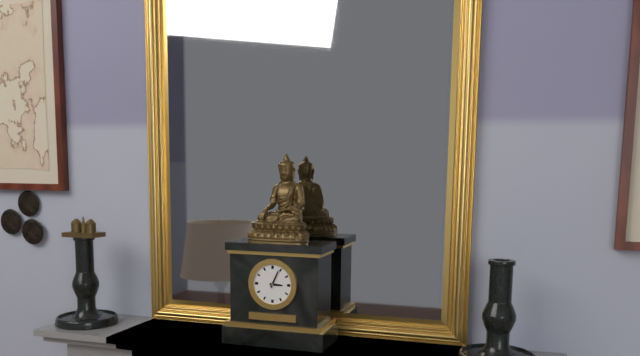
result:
3,04
